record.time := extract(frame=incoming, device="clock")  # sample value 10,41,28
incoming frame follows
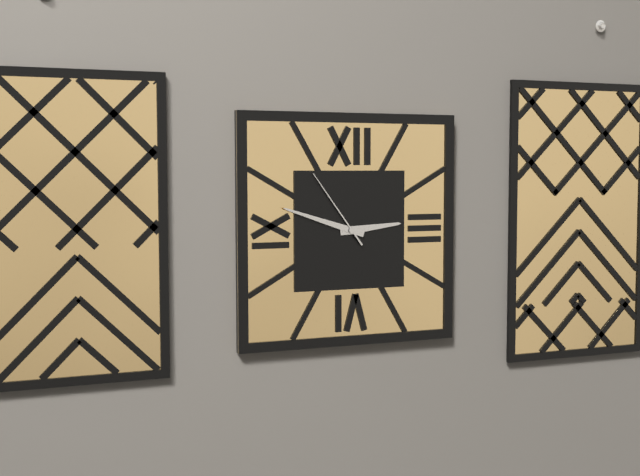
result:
2,48,54
